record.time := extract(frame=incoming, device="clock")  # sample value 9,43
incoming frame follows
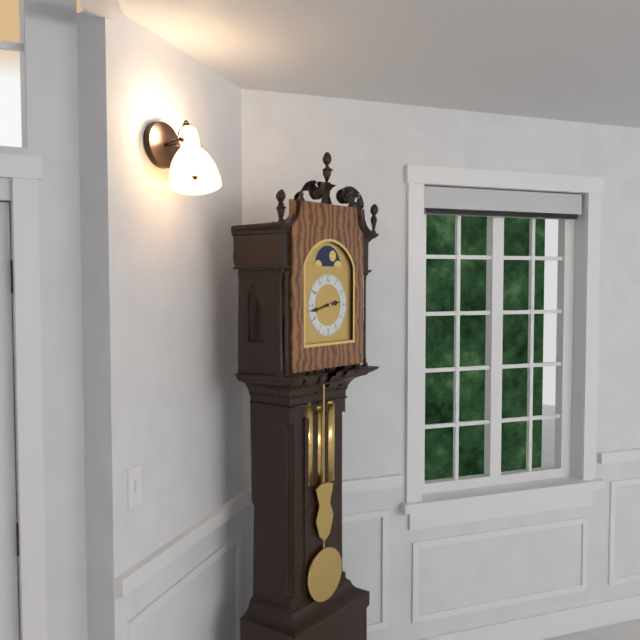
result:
2,43
